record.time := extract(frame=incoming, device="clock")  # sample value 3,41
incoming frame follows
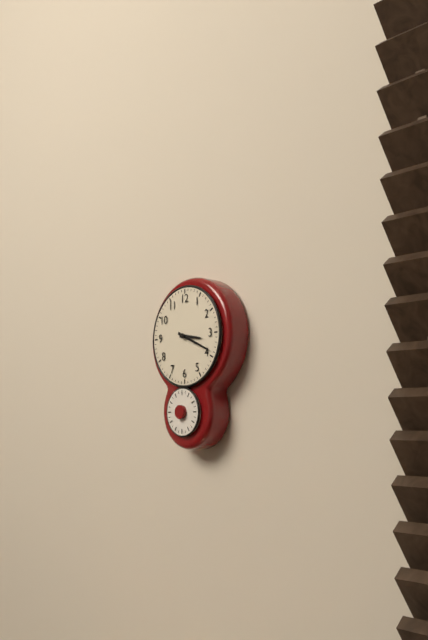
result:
3,19
